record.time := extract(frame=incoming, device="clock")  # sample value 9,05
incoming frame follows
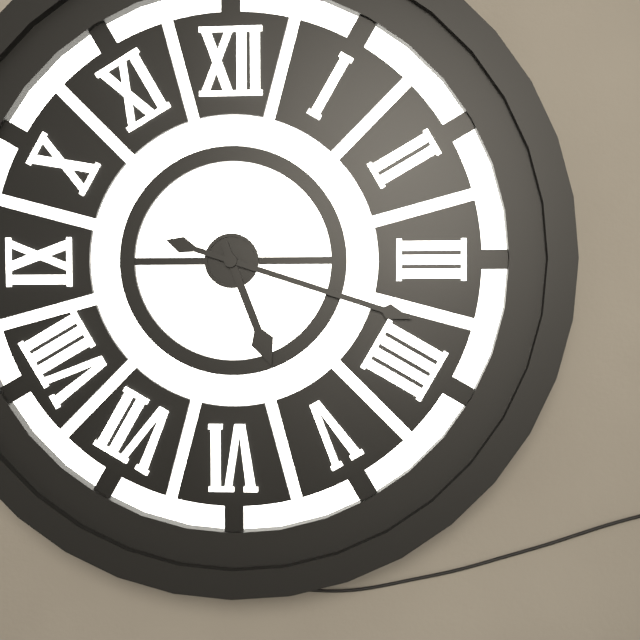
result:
5,18
